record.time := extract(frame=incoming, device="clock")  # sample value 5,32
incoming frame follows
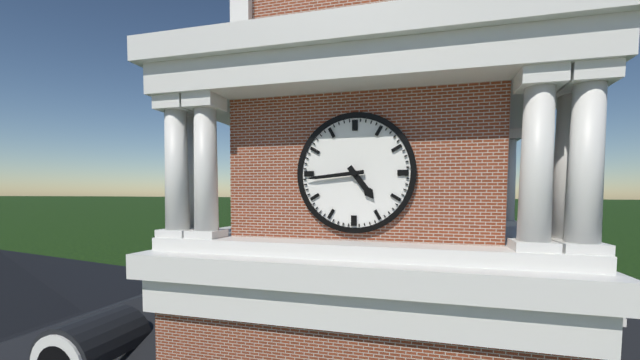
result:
4,44
